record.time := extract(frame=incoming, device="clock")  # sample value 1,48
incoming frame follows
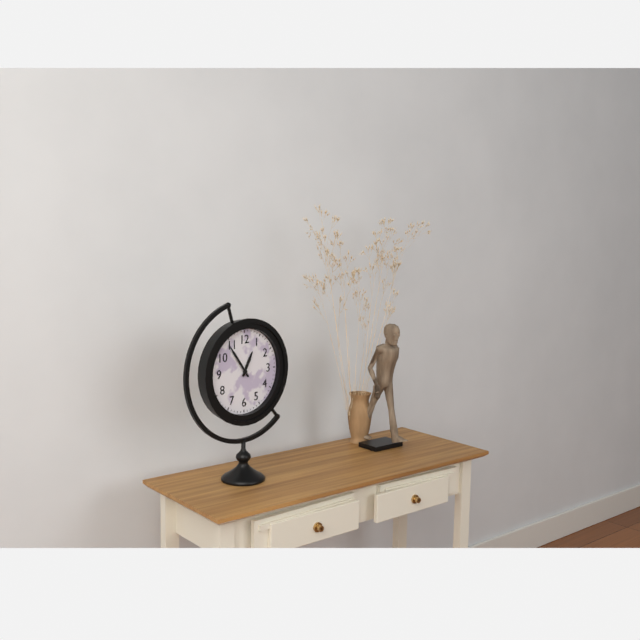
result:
12,54
